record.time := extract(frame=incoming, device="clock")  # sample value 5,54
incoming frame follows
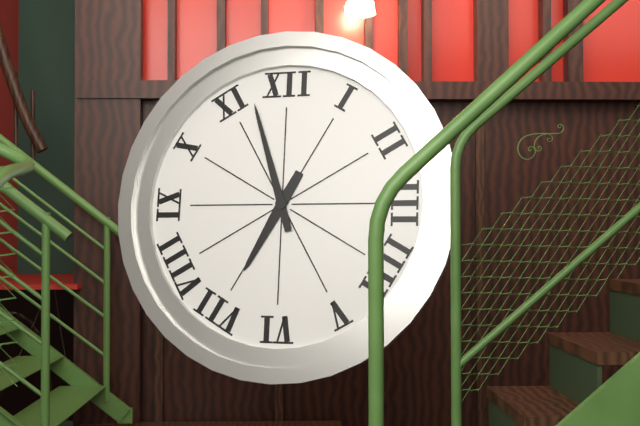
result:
6,57
